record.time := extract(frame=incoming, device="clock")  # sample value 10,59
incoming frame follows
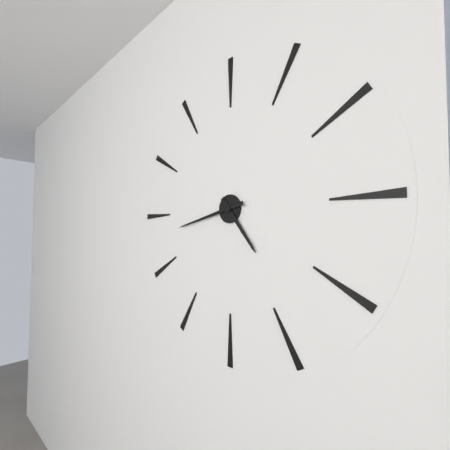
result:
4,43
